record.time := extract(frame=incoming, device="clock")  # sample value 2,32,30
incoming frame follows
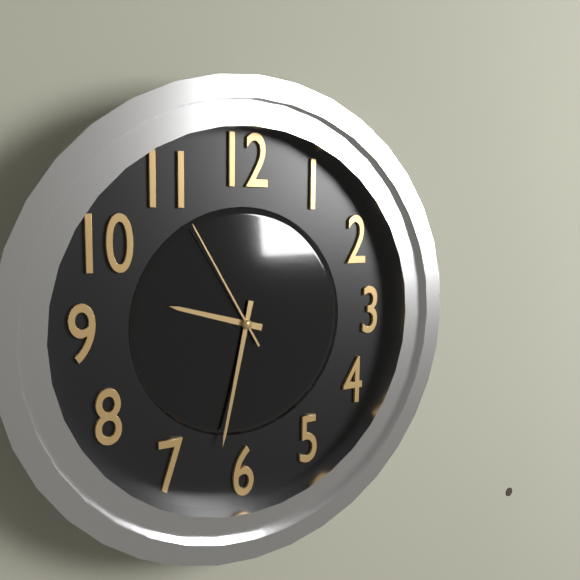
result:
9,32,55
